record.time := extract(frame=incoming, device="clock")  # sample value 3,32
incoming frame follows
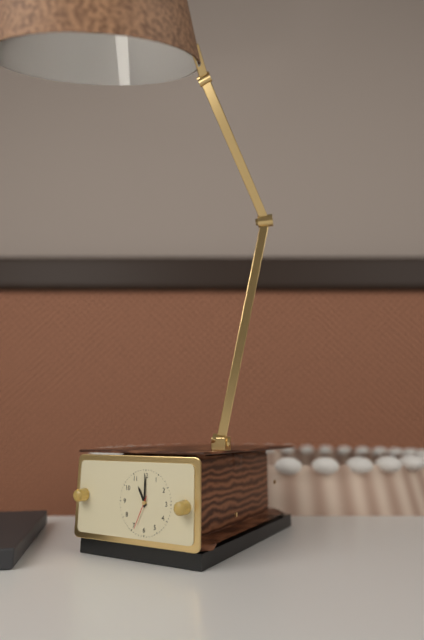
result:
11,00
